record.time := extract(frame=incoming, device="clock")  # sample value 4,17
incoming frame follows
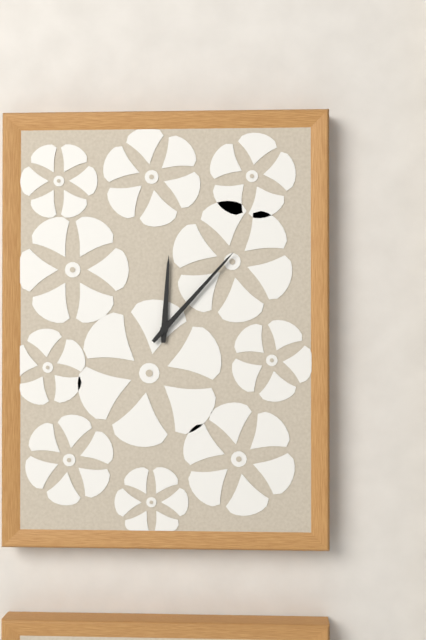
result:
12,07
